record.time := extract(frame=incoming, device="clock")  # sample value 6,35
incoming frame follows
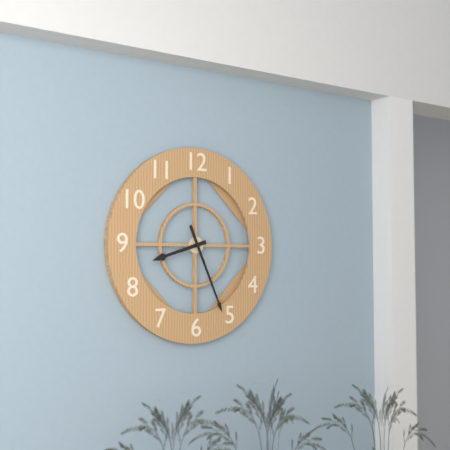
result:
8,26
